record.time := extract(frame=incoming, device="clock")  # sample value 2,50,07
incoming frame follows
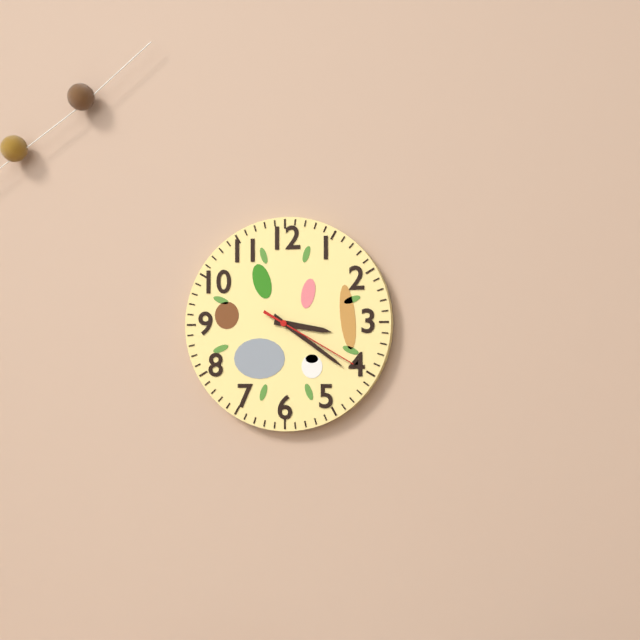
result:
3,21,20
